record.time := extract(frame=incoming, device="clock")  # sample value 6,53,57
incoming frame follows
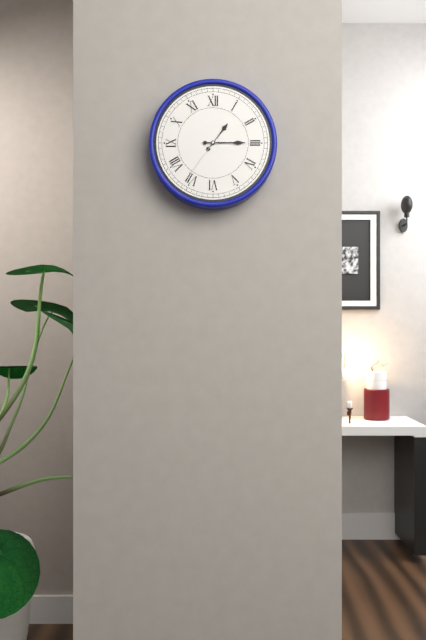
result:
1,15,36
